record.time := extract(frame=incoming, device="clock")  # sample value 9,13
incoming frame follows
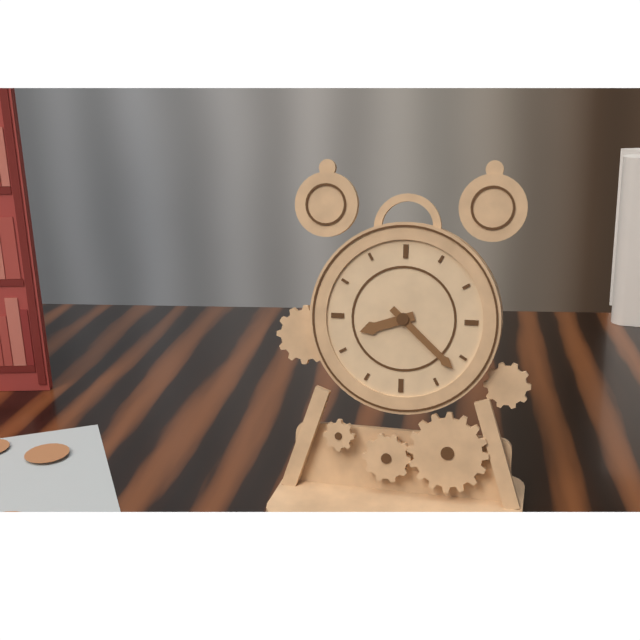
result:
8,22
